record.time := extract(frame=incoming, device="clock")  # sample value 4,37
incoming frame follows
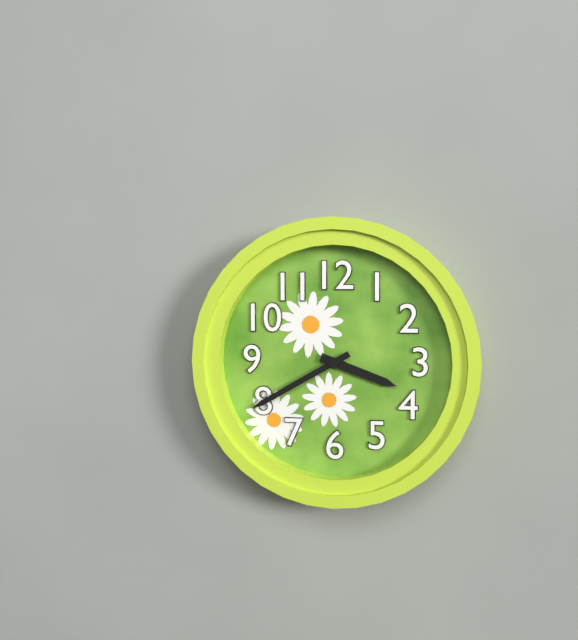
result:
3,40
